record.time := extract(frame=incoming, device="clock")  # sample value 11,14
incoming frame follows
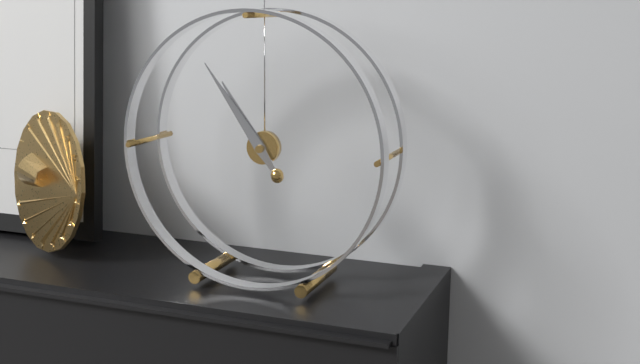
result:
10,54
